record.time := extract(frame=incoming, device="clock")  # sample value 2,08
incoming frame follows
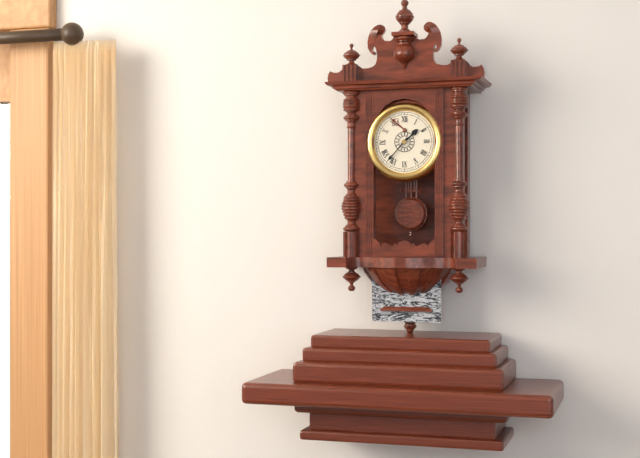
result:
1,37
